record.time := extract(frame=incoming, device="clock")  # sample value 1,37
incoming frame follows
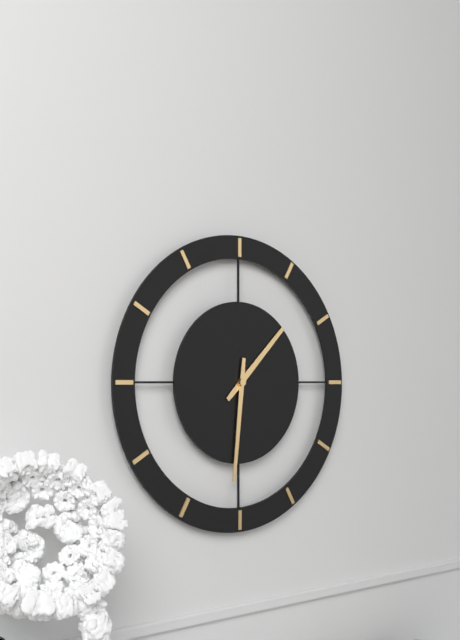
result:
1,31
